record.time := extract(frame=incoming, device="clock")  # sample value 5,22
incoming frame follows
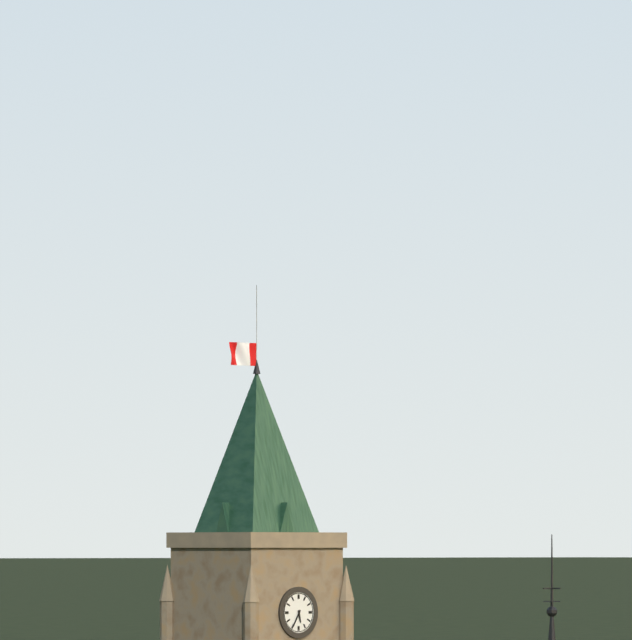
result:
5,35
